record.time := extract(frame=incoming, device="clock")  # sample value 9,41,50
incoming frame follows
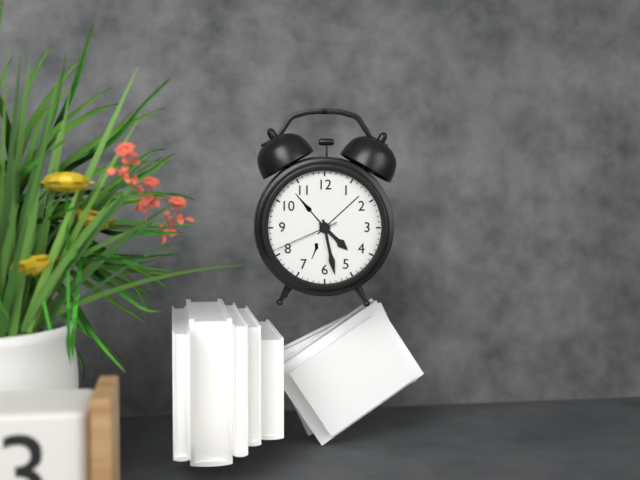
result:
4,28,41
